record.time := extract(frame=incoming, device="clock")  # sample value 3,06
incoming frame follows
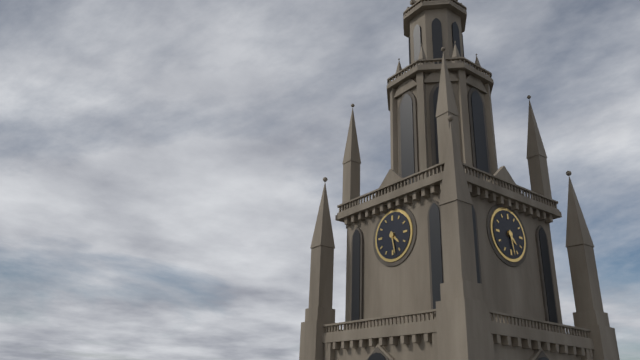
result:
4,28
